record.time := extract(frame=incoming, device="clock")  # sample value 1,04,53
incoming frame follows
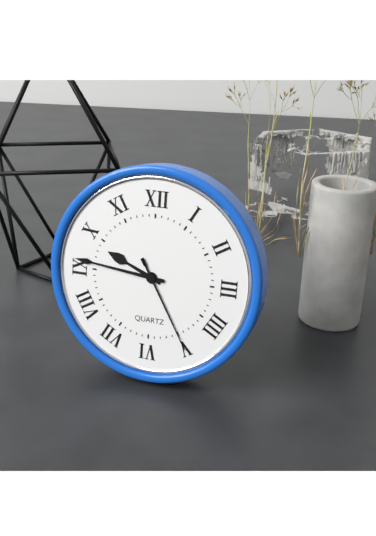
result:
9,46,25
